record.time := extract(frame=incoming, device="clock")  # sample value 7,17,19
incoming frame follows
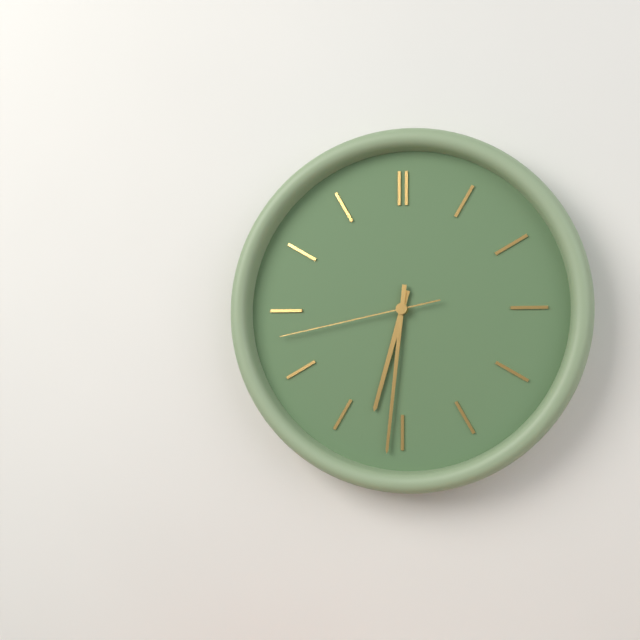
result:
6,31,43
